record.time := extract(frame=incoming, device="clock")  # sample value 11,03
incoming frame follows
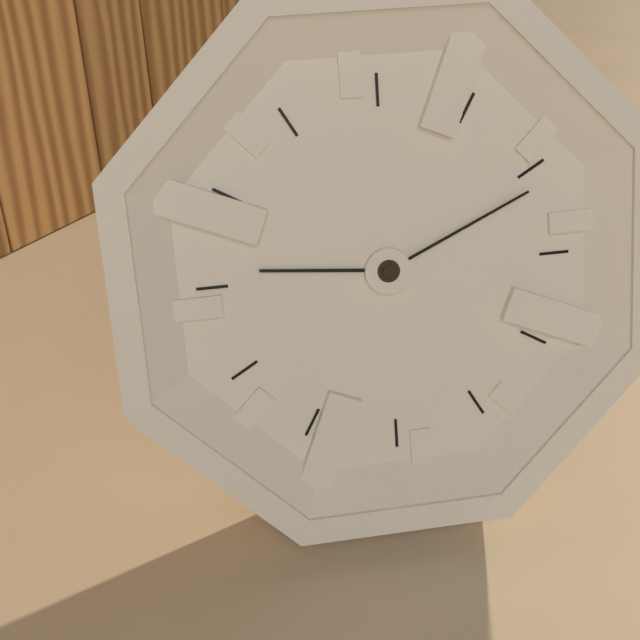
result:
9,11
